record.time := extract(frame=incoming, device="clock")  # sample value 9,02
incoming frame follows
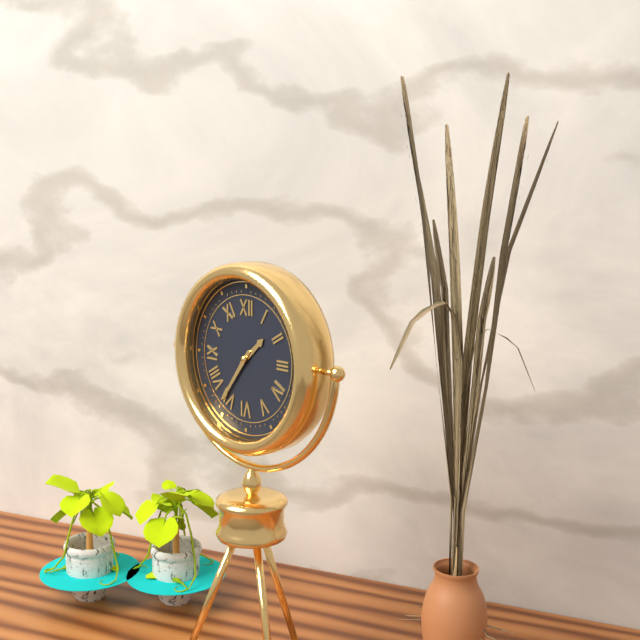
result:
1,36
